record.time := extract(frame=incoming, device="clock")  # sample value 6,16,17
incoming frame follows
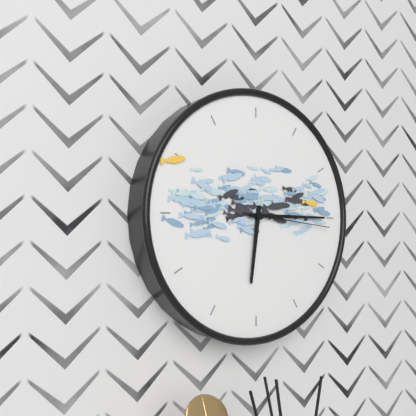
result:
6,15,16
